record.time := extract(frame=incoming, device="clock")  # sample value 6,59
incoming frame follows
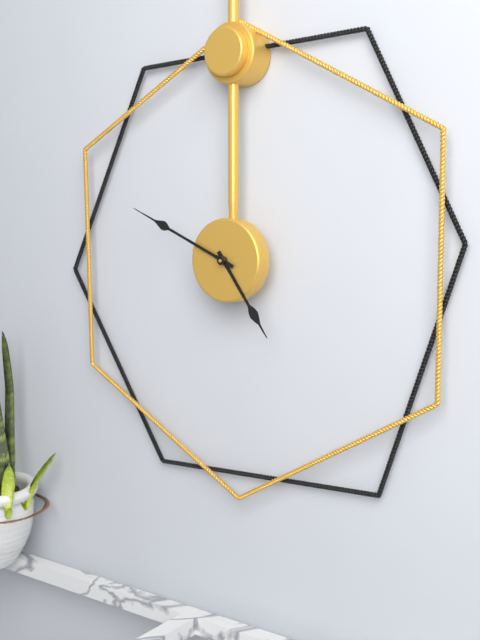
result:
4,49
